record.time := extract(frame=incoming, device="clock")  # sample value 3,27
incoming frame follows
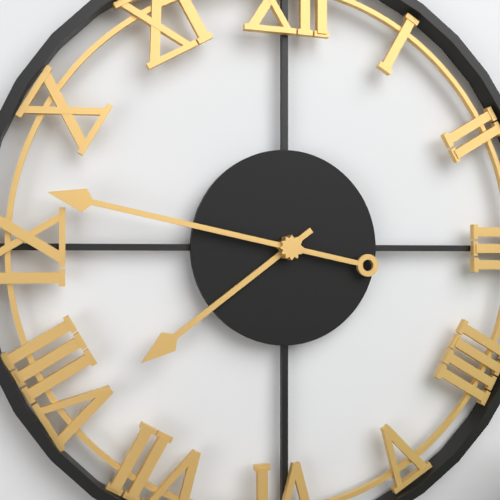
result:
7,47
